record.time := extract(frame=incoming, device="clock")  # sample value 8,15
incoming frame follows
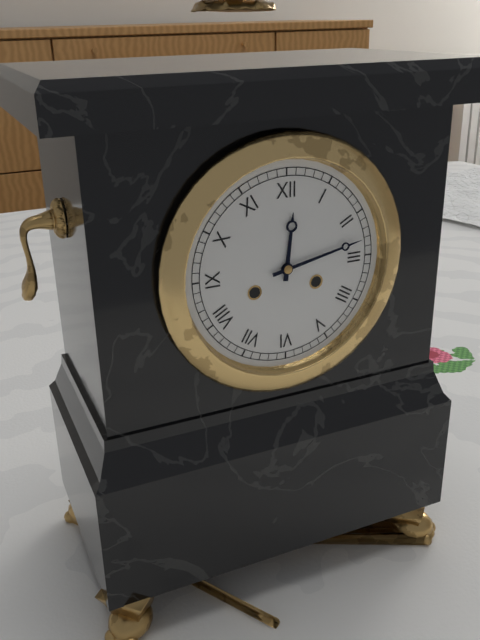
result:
12,13
